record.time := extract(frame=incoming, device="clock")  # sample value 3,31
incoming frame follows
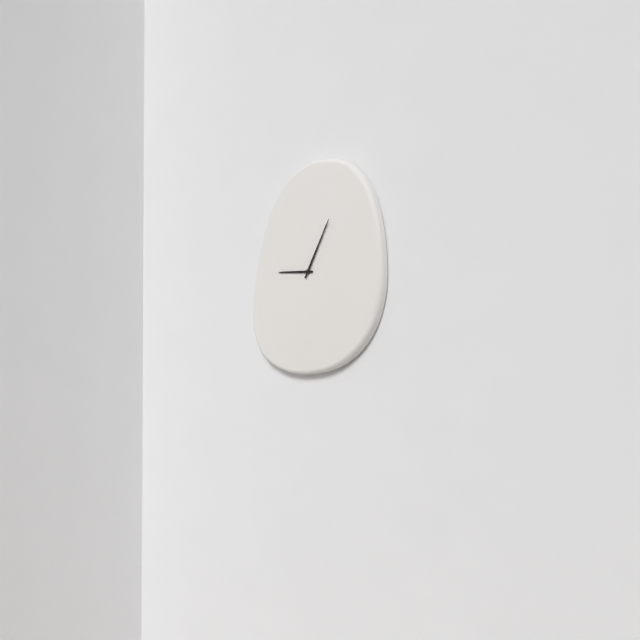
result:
9,05
